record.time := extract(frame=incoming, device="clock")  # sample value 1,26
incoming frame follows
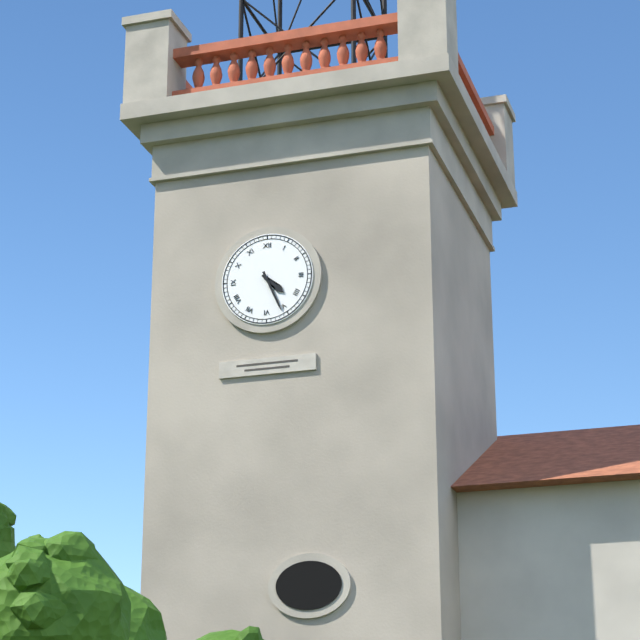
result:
4,26
